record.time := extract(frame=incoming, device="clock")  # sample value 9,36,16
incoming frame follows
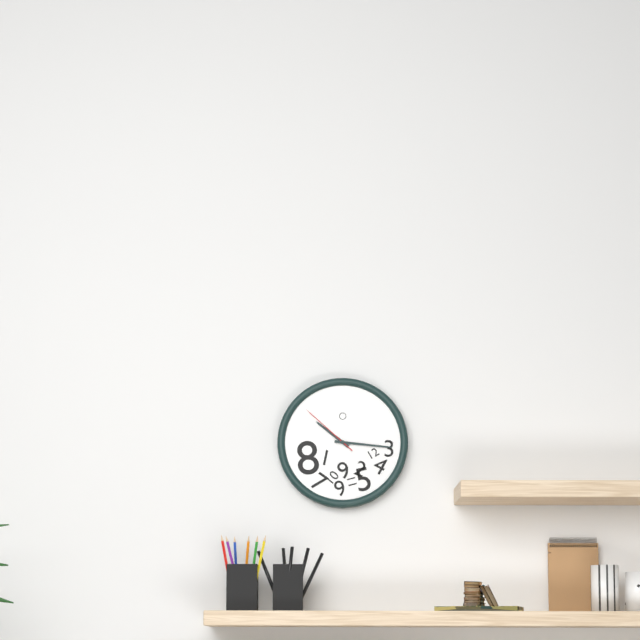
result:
10,16,52
